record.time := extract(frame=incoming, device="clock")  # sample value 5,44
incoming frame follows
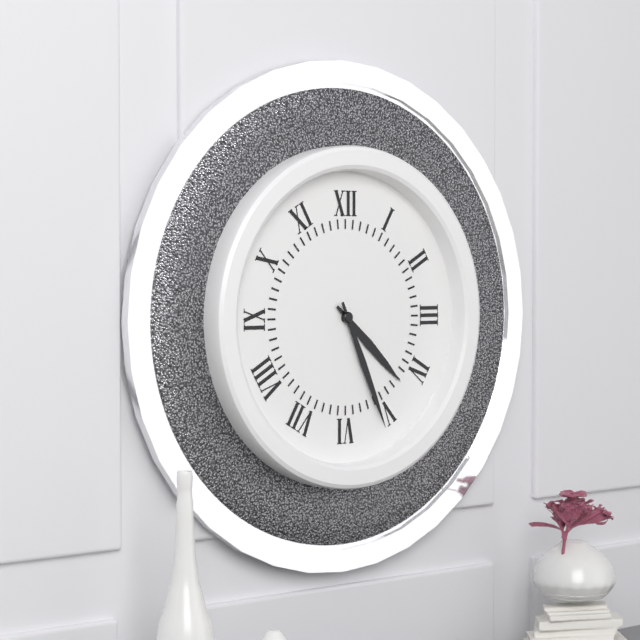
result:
4,26
